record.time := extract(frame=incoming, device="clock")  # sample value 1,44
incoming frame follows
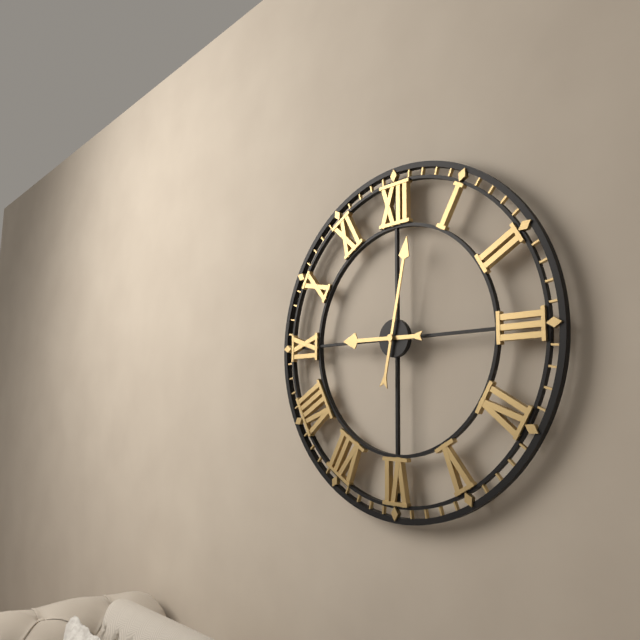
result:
9,02
